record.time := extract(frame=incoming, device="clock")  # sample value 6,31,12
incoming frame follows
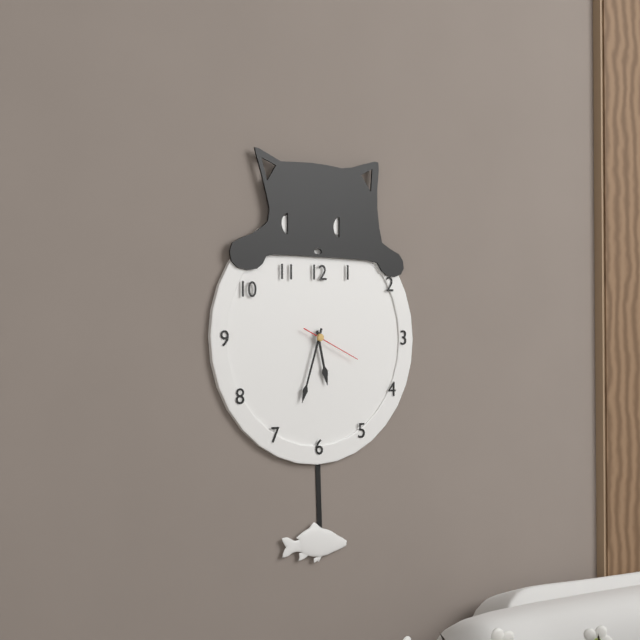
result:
5,33,19
